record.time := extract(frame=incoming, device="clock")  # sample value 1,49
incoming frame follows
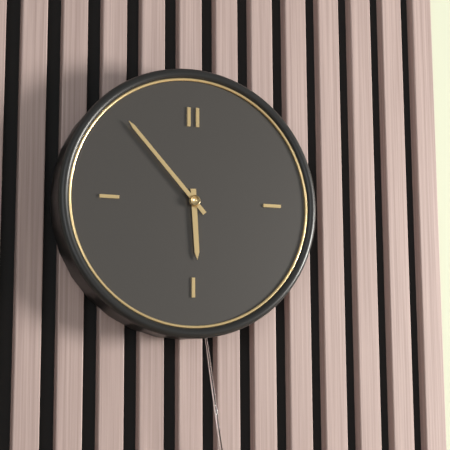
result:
5,53
